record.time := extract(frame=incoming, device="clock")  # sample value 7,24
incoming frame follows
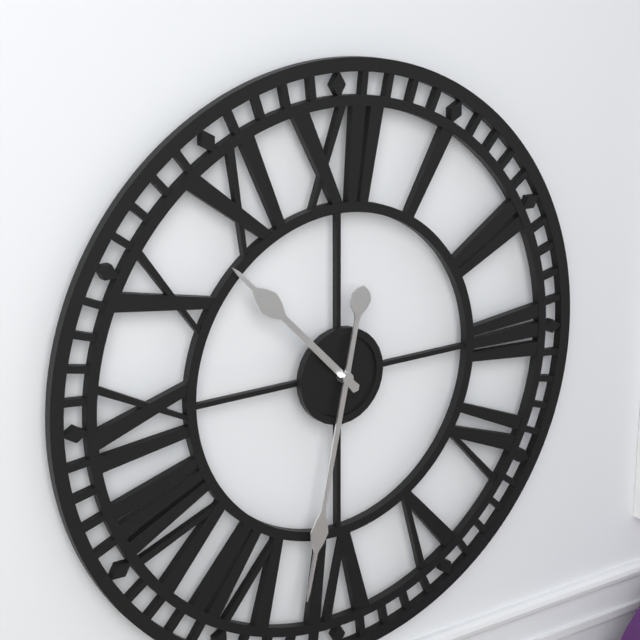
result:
10,32
